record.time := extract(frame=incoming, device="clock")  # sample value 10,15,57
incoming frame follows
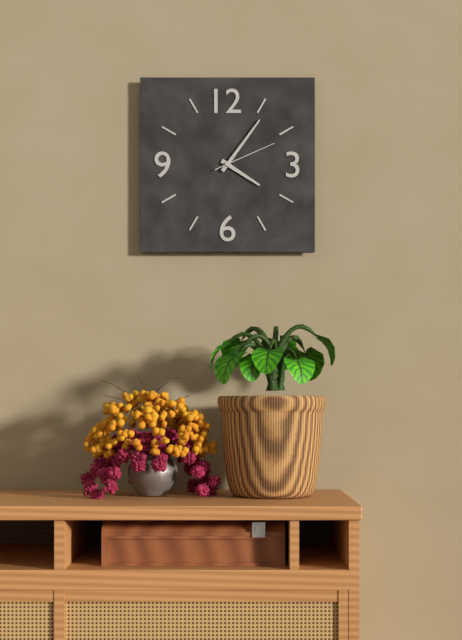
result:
4,06,11
